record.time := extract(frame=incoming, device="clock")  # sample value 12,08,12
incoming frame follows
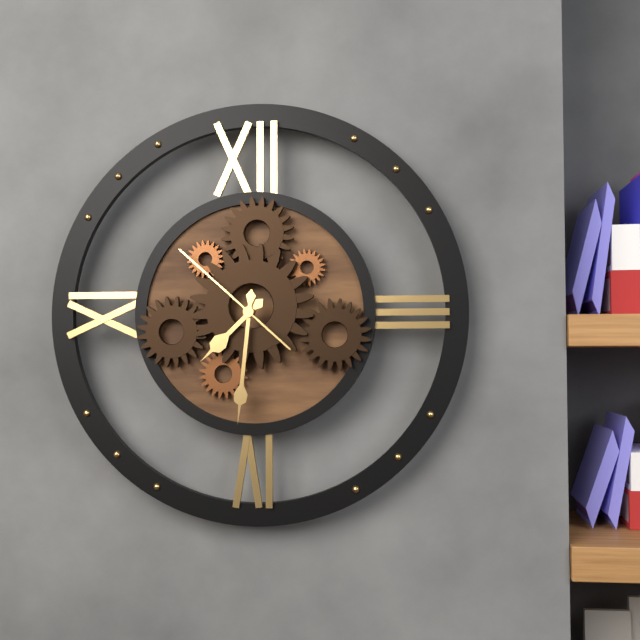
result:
7,31,52
